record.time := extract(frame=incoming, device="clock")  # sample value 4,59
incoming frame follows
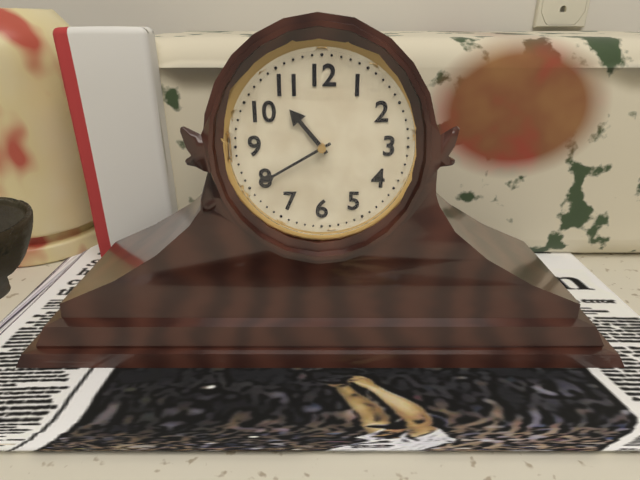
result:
10,40
